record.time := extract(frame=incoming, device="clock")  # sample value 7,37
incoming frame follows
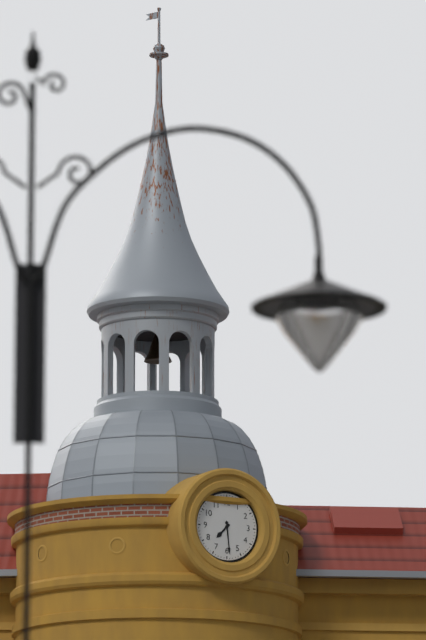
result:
7,29
